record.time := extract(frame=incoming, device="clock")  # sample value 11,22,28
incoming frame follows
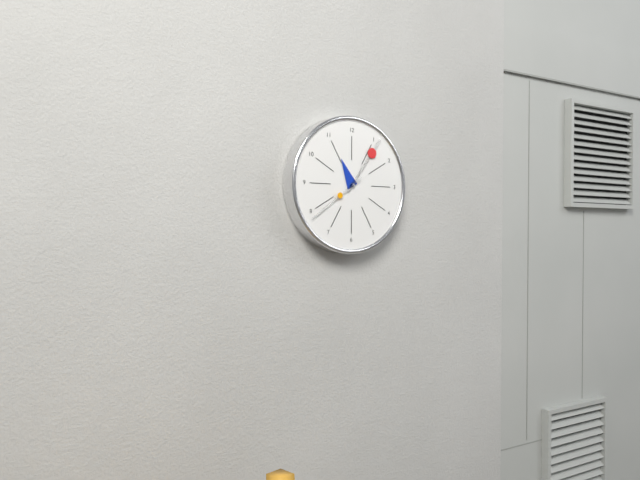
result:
11,06,39
